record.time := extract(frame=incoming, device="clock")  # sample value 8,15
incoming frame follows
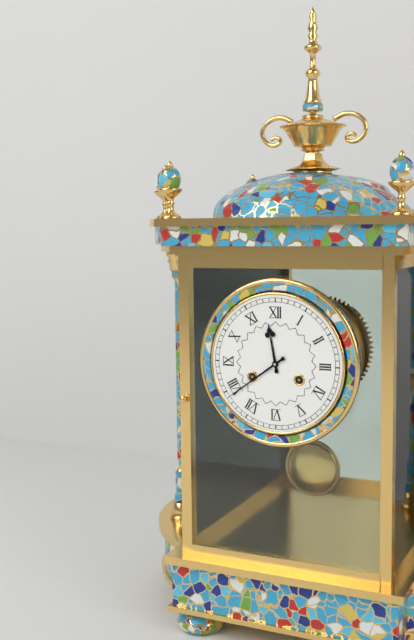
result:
11,39
